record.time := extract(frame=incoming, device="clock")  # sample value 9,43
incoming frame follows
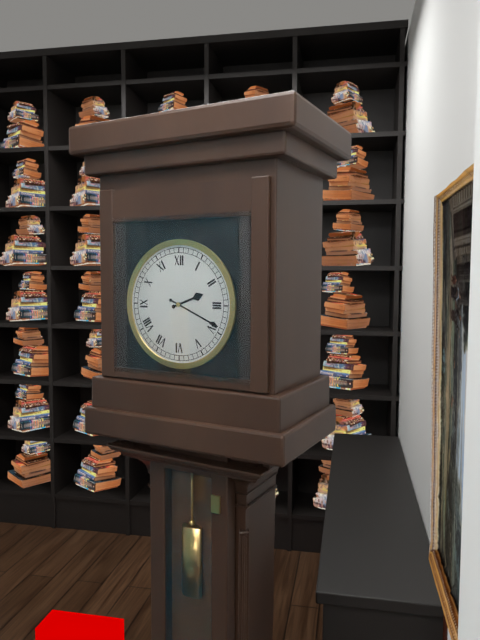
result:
2,19
